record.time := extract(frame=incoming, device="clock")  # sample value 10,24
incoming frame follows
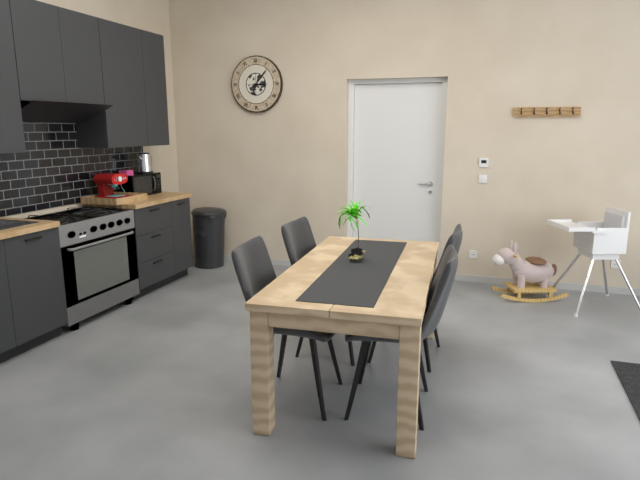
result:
3,07
